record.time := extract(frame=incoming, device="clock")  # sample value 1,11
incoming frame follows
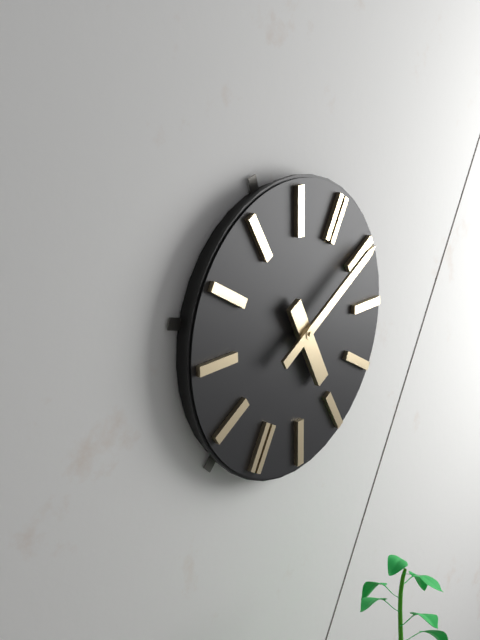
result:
4,05
